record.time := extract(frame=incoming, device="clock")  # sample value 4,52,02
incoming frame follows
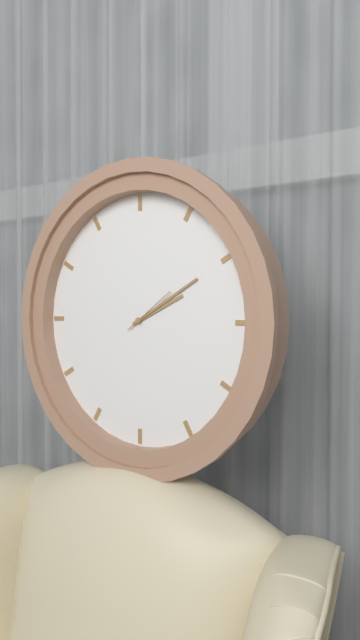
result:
2,10,09
